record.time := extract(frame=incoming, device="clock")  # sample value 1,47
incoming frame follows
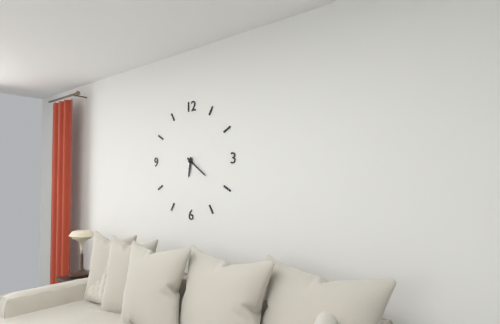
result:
6,21
